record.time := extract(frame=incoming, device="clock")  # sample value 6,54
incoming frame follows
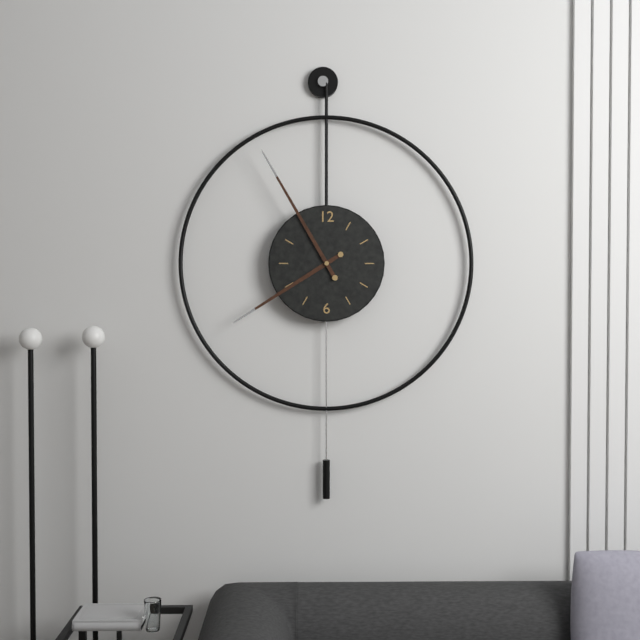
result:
7,55
